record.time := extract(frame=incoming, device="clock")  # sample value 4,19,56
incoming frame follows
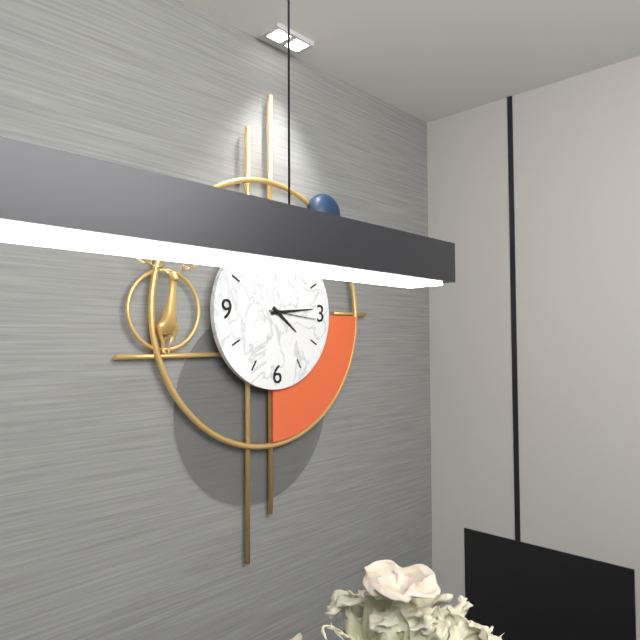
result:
4,14,16
